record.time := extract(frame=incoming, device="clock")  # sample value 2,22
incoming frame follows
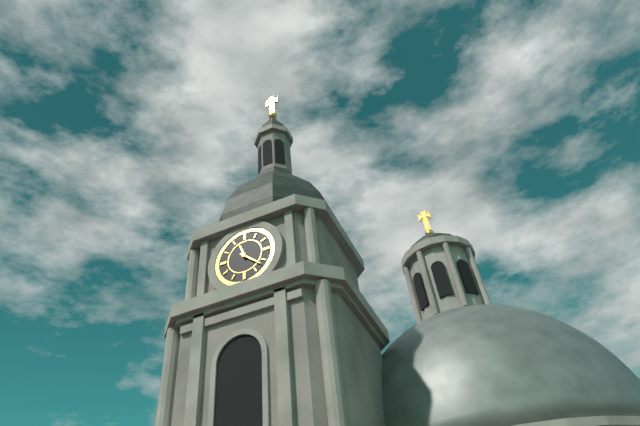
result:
11,22
